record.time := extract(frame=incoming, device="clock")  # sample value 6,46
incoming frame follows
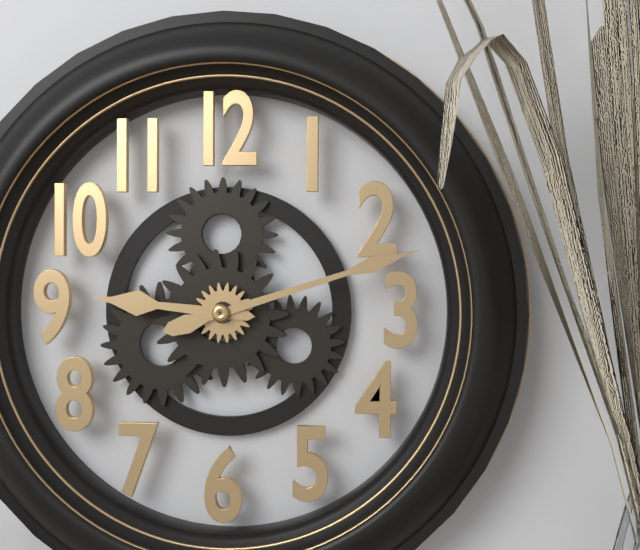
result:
9,12
